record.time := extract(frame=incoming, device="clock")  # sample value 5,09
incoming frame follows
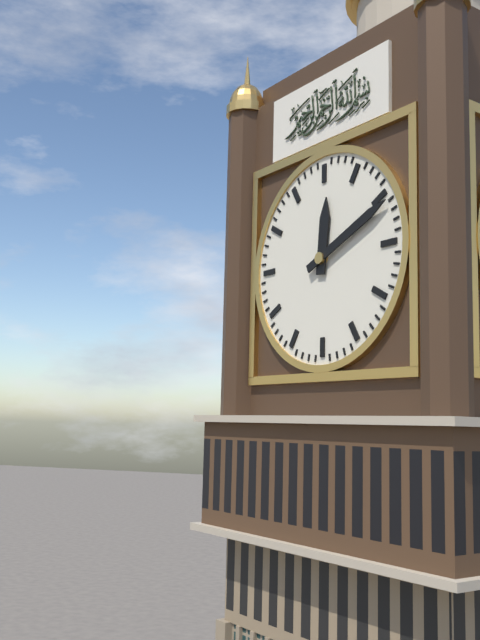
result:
12,11
